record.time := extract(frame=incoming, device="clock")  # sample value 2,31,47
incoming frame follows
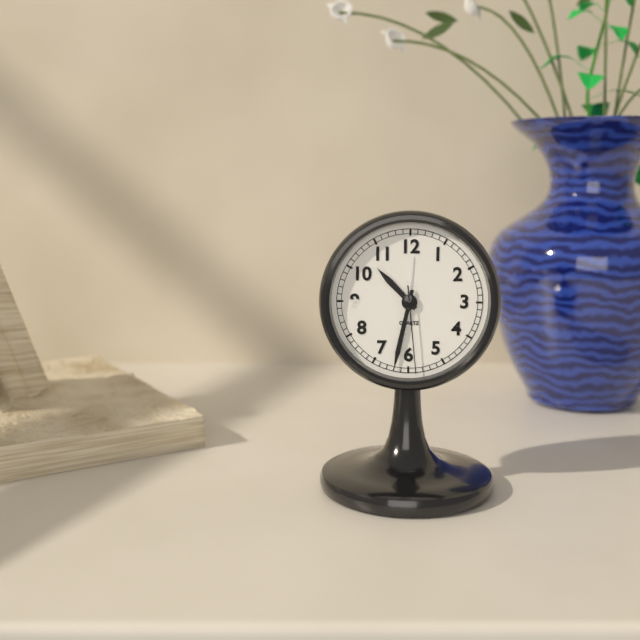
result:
10,32,29
